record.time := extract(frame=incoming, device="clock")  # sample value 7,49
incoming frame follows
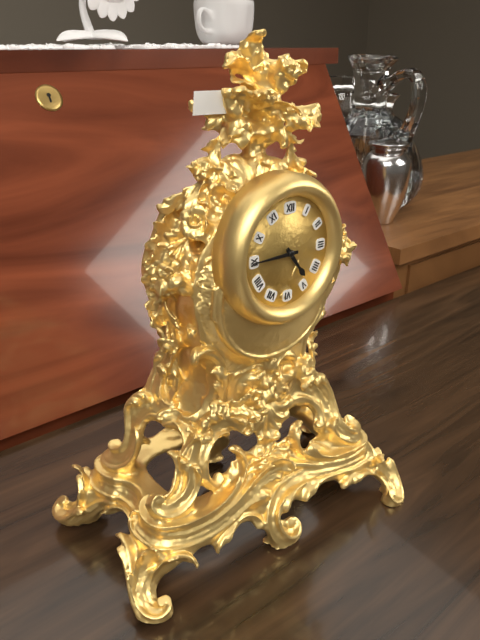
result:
4,45
